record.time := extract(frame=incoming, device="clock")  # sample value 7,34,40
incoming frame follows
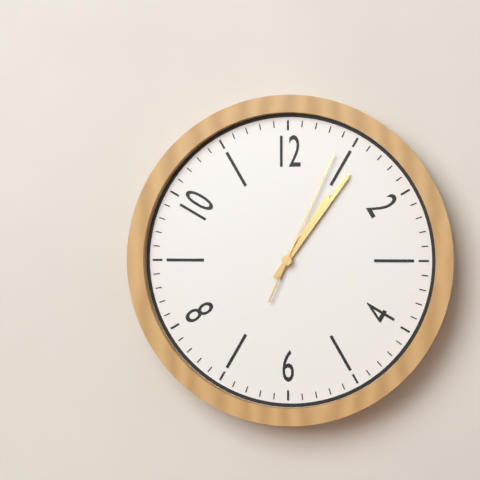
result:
1,06,04
